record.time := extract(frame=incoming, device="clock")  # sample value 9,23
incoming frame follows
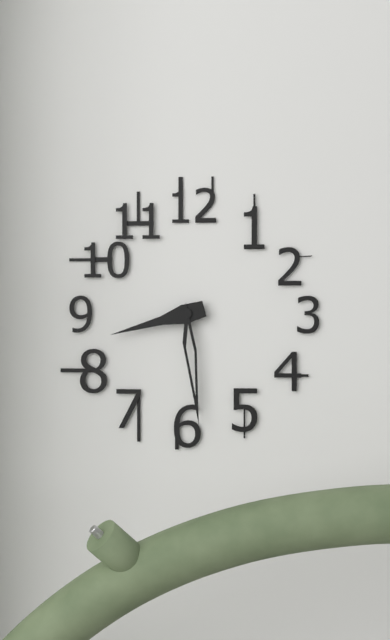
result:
8,29
